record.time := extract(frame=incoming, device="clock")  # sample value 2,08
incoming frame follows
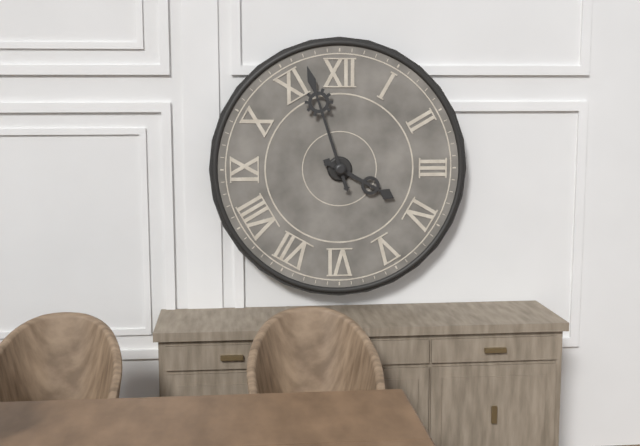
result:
3,57
